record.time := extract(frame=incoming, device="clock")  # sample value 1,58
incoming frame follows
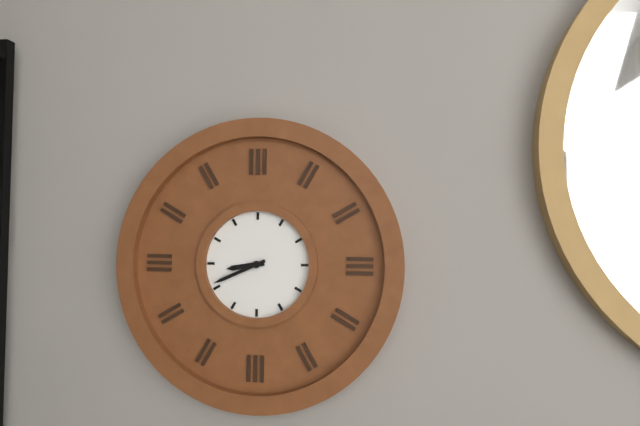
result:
8,41
